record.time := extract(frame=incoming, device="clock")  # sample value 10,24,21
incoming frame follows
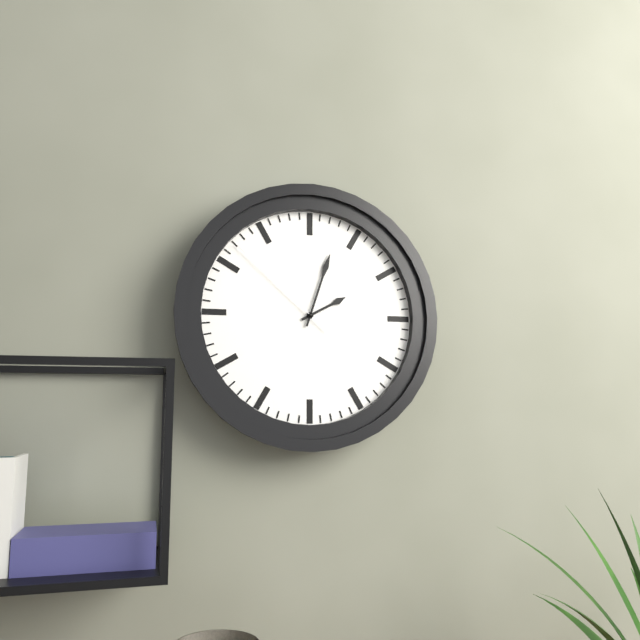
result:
2,03,52
